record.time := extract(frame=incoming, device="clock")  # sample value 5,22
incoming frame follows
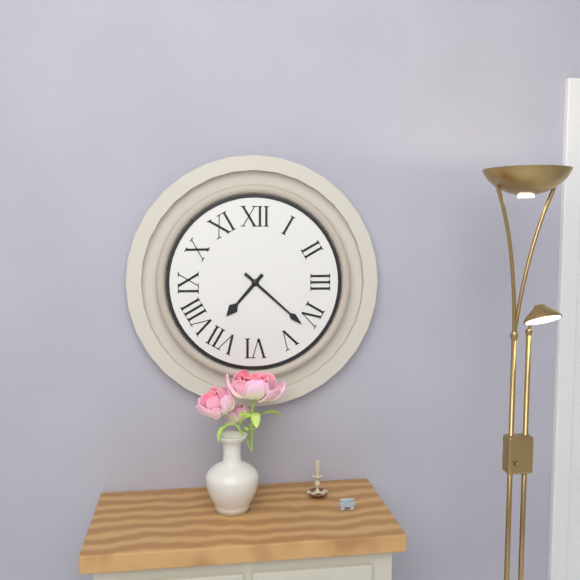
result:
7,22
